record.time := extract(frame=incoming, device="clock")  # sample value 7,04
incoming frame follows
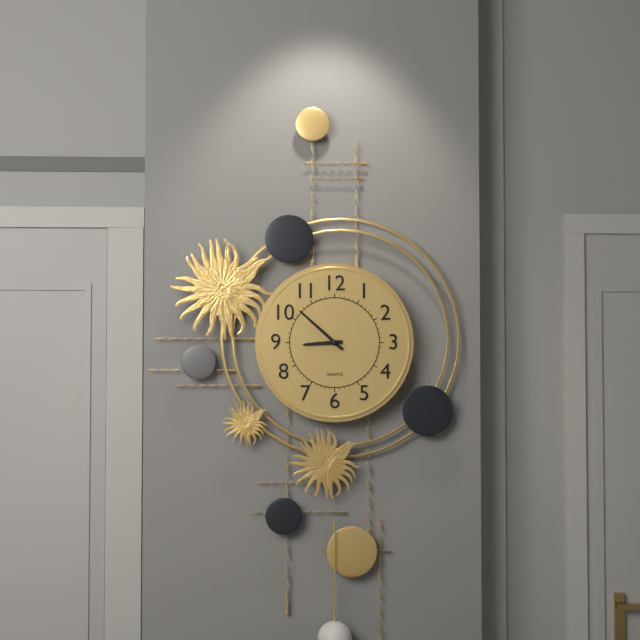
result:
8,52
